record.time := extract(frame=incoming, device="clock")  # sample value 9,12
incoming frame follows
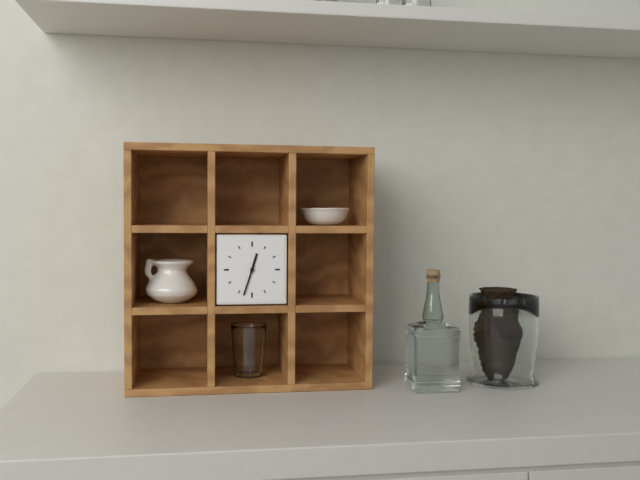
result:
12,33
